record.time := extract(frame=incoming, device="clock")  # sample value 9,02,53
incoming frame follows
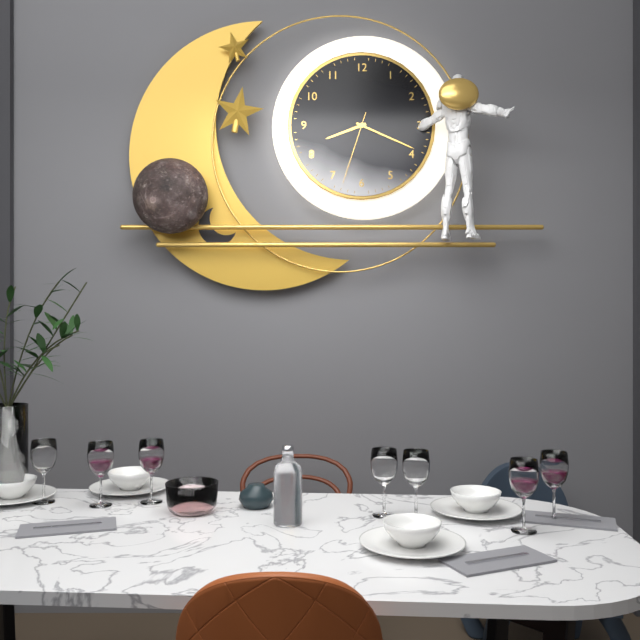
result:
8,19,33
